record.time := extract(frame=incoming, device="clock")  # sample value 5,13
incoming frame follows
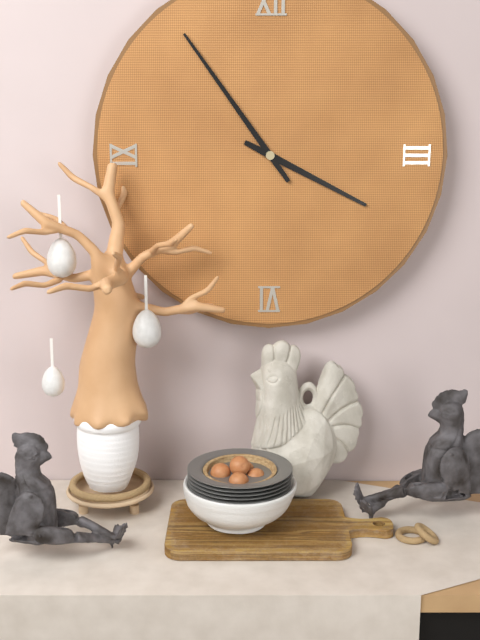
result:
3,54
